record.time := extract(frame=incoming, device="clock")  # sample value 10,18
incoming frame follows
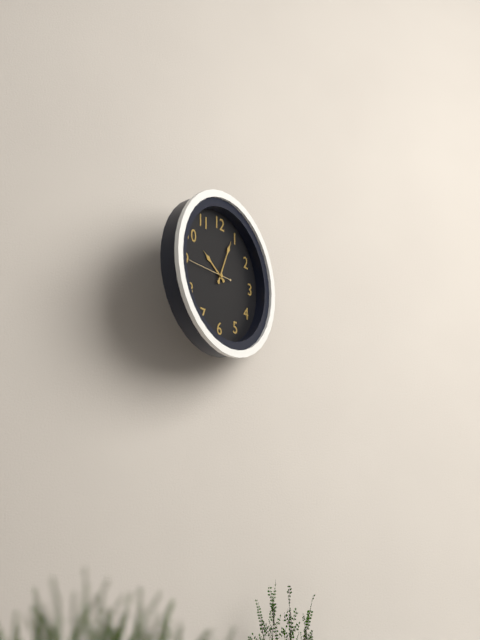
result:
10,04
